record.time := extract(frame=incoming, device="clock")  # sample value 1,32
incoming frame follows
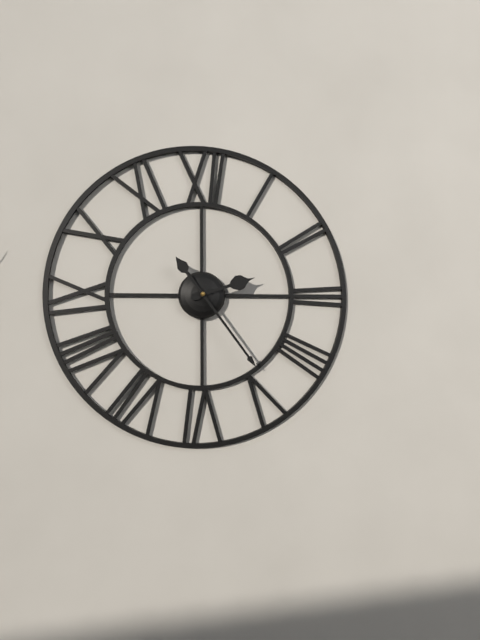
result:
2,24
